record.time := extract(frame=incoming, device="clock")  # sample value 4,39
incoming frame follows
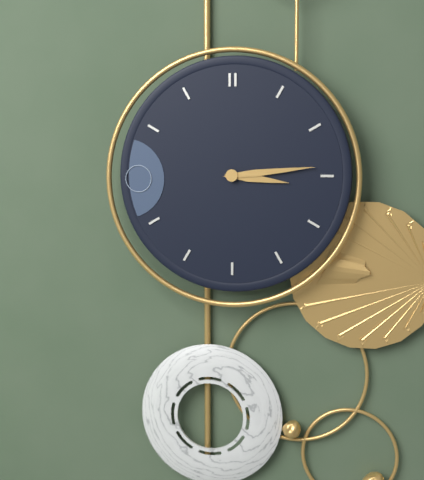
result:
3,14
